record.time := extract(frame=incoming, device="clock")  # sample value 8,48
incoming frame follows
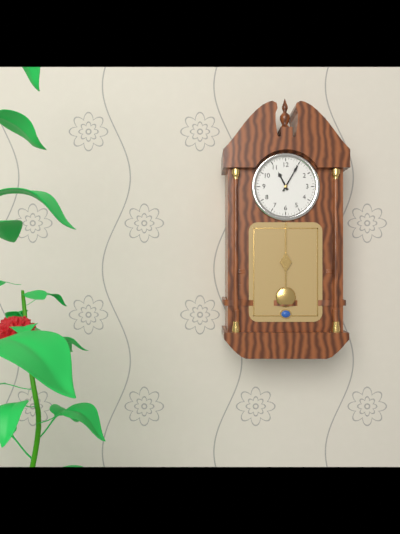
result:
11,05
